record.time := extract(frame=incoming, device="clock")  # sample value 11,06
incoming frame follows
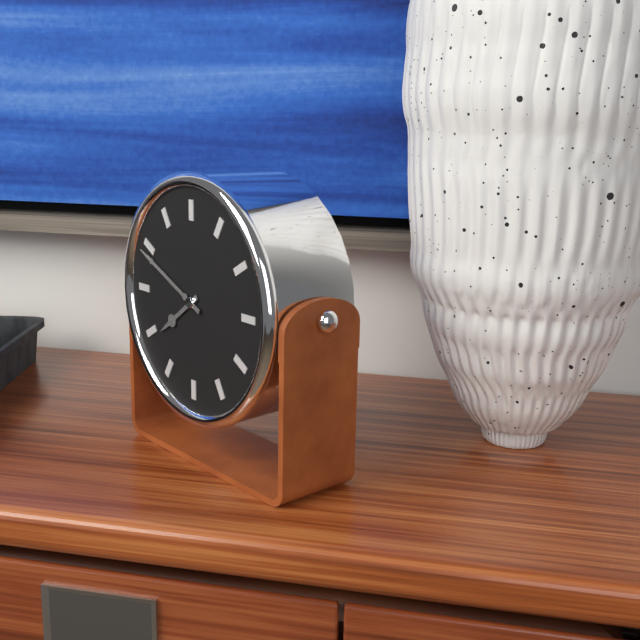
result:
7,49
